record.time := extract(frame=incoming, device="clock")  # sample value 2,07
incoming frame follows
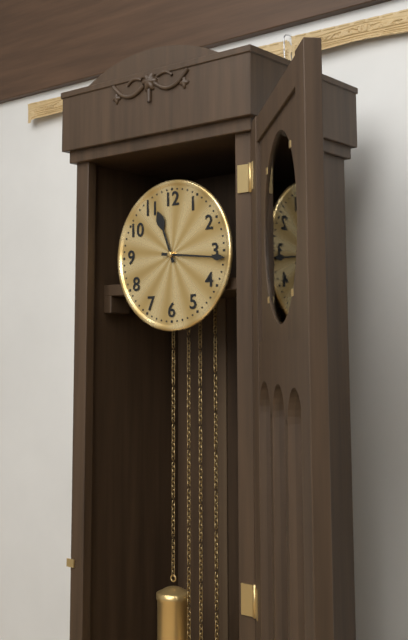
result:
11,16
